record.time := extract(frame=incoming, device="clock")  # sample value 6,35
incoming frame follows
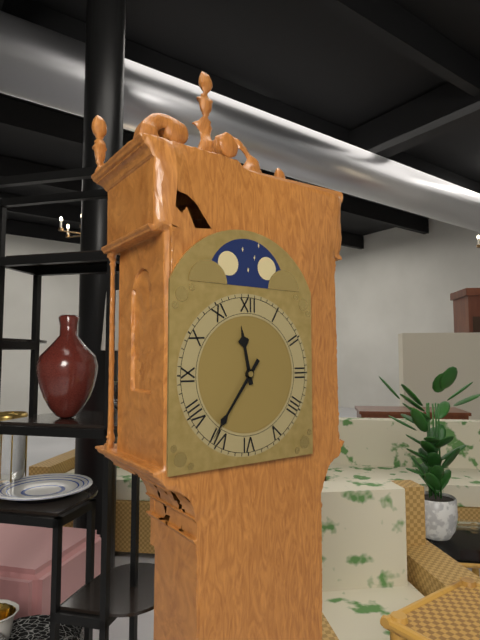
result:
11,36
